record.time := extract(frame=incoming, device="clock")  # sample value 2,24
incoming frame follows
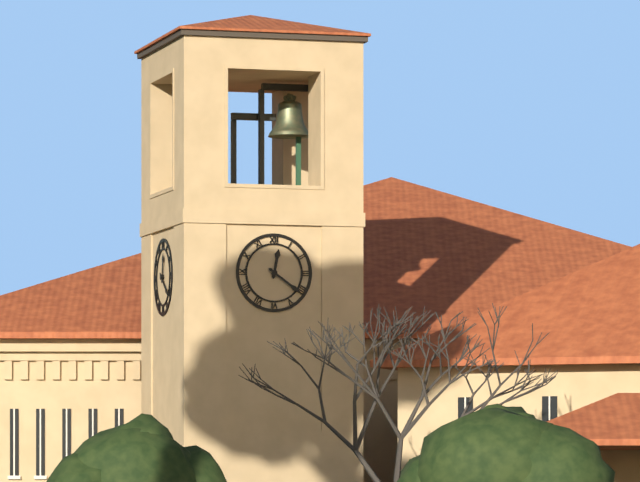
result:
12,21
